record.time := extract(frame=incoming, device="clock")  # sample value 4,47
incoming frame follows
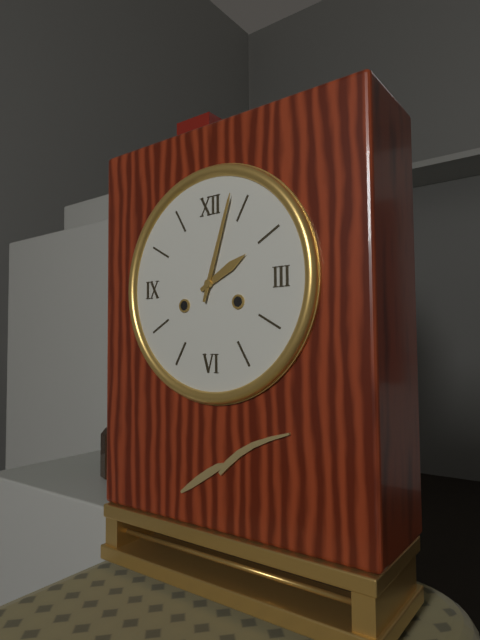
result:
2,03
